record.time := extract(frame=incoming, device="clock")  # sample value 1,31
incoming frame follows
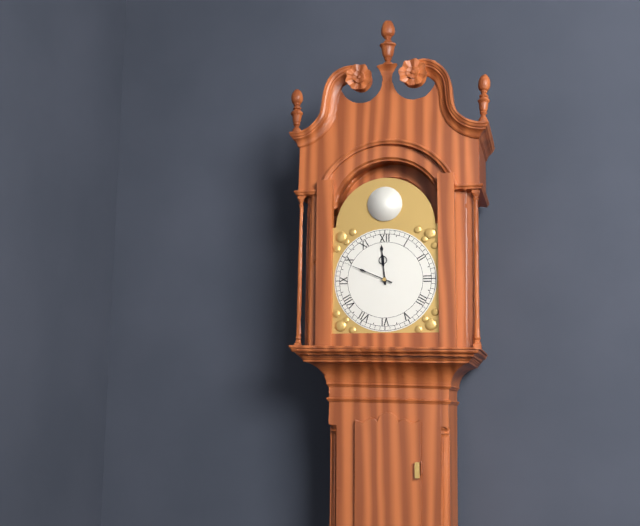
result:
11,49
